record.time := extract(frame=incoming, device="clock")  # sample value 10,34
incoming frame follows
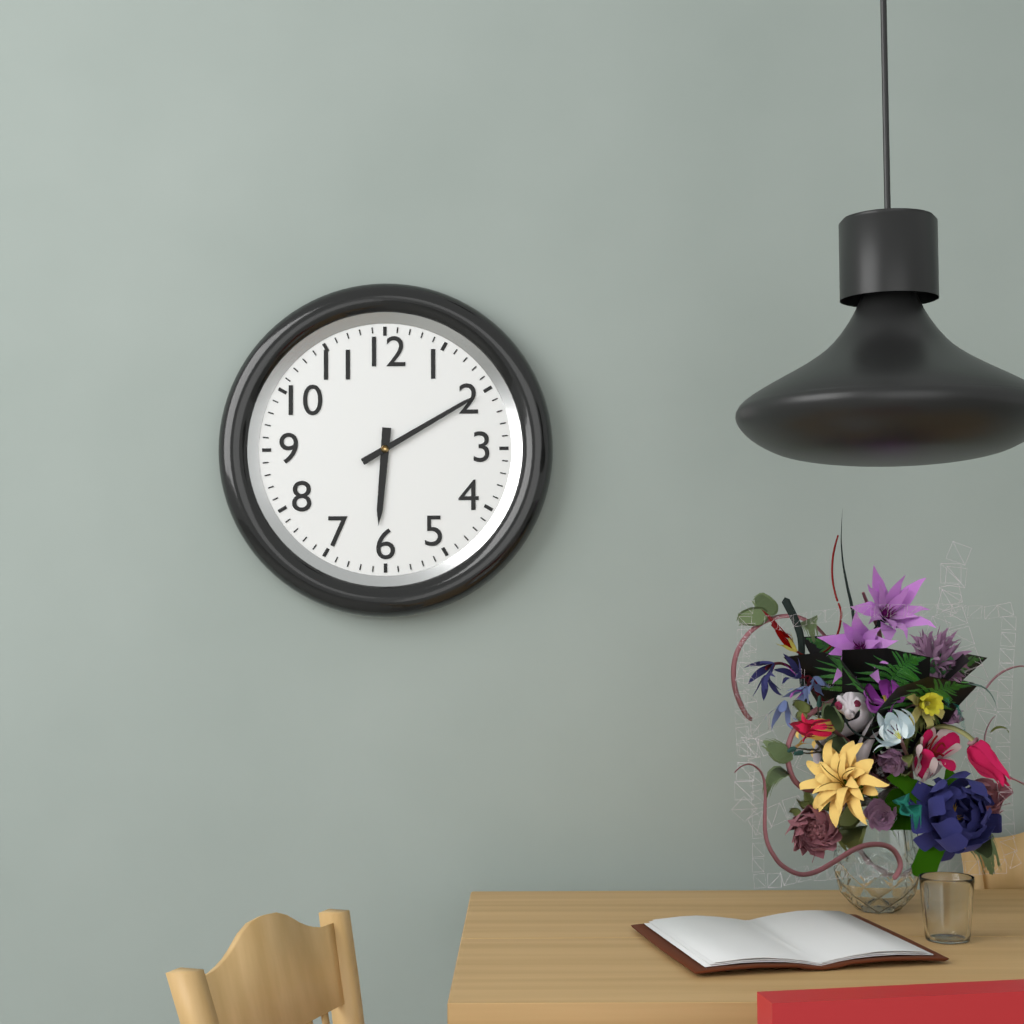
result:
6,10
